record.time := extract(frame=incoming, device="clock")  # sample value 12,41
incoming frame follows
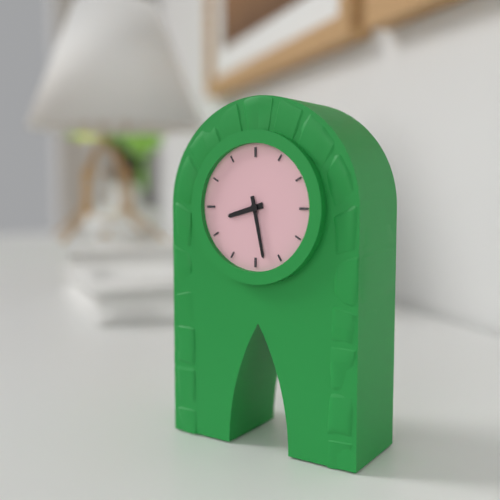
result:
8,28
